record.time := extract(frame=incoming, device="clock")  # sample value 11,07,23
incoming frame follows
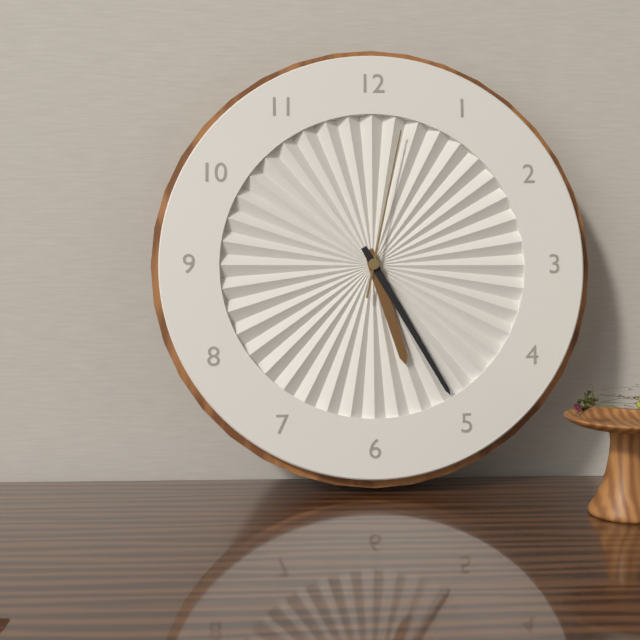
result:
5,25,02
